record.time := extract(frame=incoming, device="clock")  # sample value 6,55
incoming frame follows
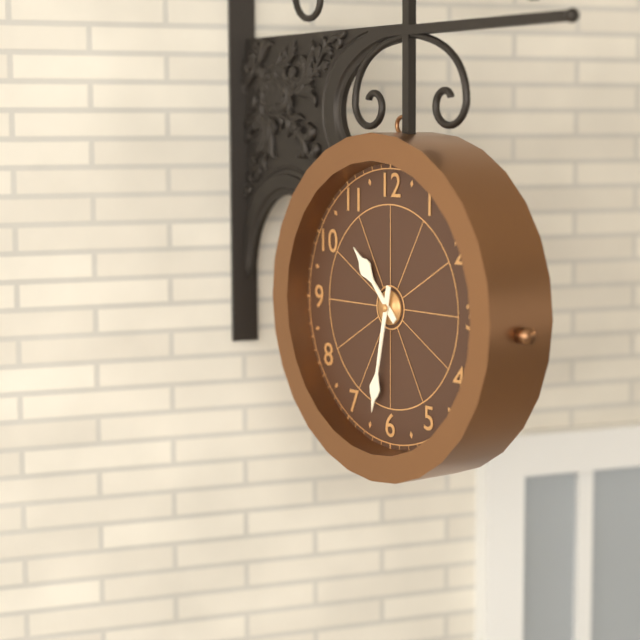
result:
10,32
